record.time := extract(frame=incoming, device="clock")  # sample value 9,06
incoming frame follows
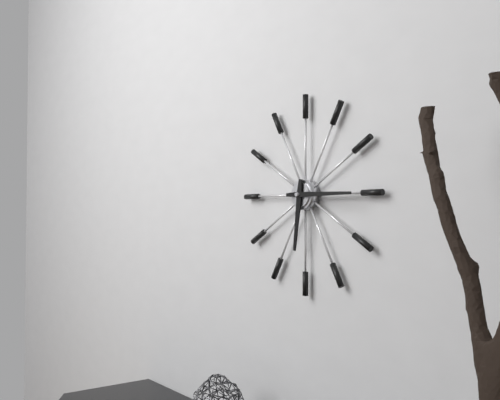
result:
6,15
